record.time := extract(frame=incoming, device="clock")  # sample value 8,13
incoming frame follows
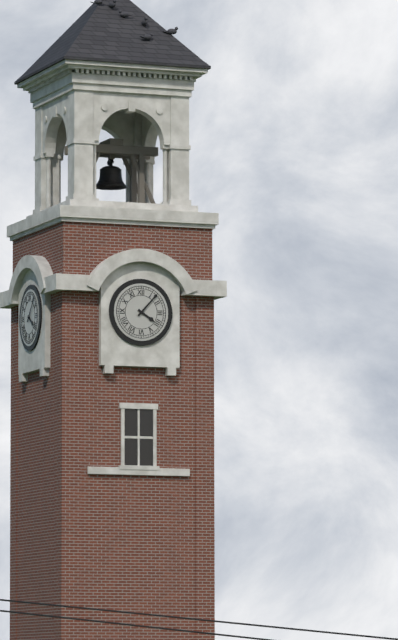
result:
4,07
